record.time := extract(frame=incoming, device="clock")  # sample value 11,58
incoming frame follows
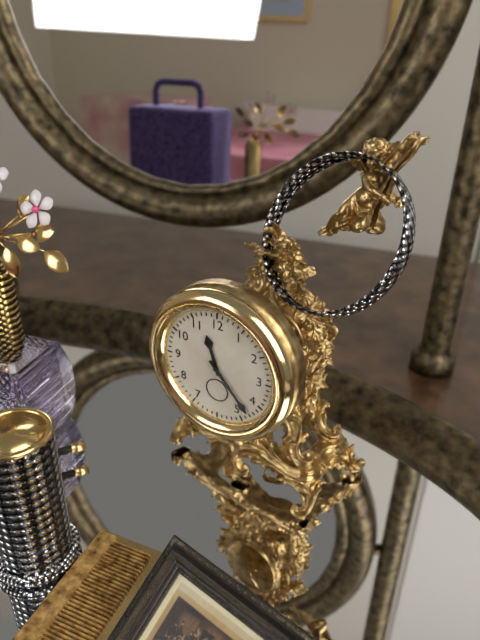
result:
11,23
